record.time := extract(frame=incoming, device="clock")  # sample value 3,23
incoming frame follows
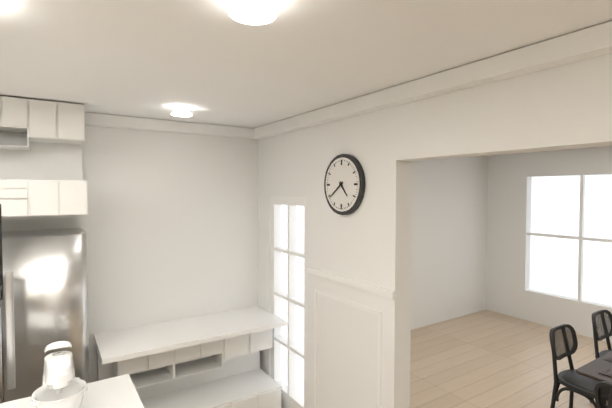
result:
4,39
